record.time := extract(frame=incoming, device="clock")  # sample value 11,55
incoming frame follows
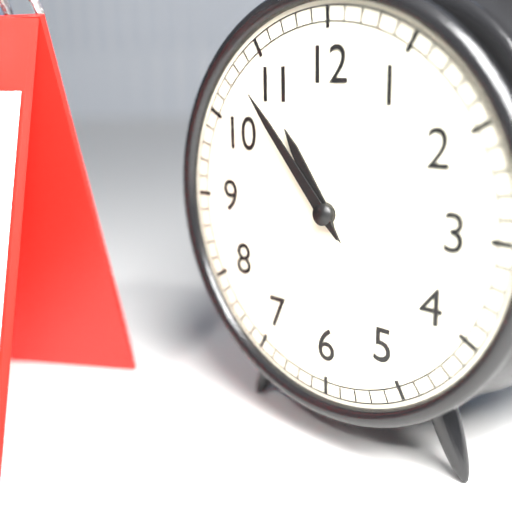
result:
10,53
